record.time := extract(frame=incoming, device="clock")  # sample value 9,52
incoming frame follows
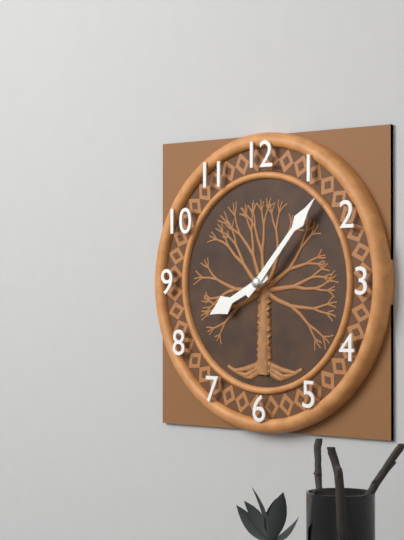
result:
8,07
